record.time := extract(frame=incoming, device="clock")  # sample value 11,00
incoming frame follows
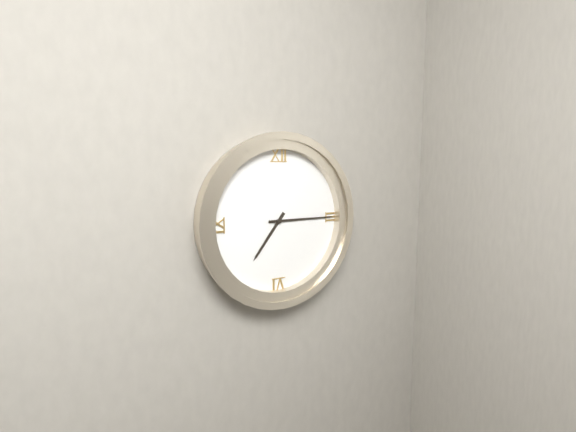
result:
7,15
